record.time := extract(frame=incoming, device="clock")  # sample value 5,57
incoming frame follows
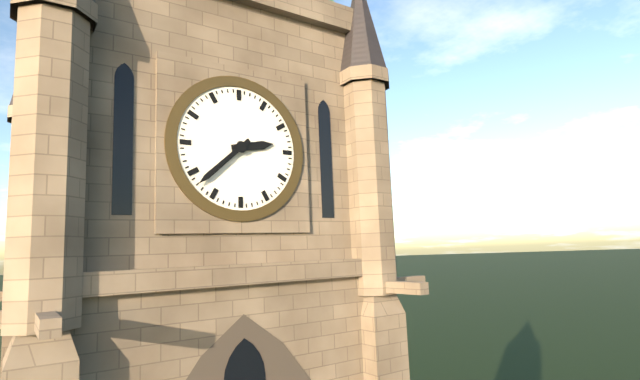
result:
2,38
